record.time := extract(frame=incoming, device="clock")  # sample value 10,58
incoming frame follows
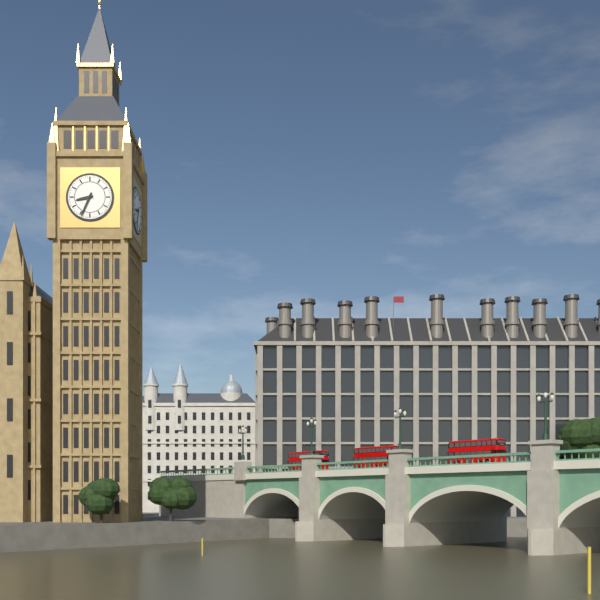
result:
8,34
